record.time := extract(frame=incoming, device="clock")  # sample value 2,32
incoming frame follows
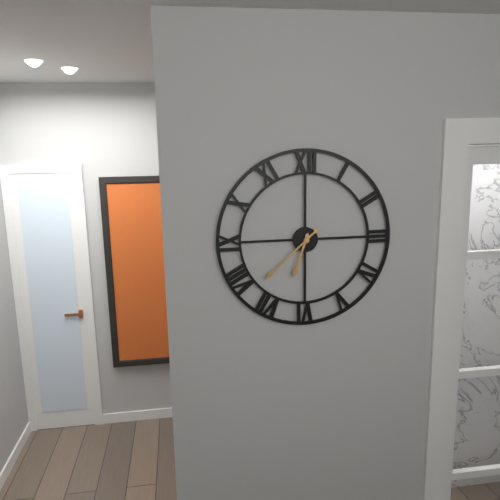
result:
6,38
